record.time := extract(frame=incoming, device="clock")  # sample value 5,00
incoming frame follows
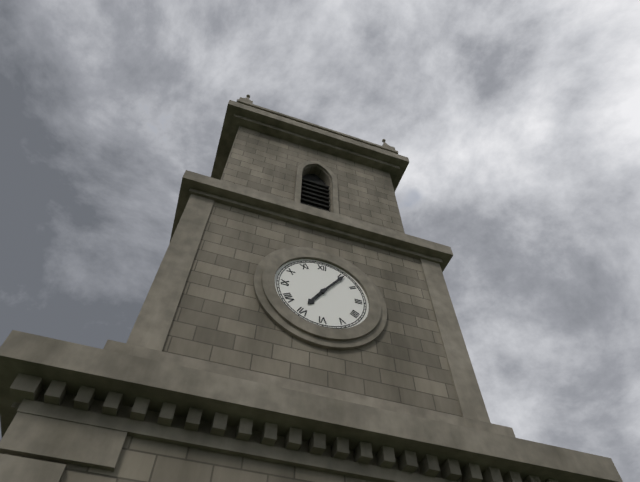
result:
7,06
